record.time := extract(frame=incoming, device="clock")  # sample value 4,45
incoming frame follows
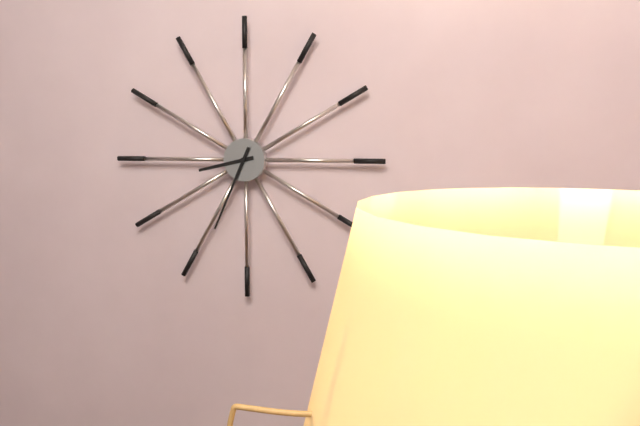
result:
8,34
